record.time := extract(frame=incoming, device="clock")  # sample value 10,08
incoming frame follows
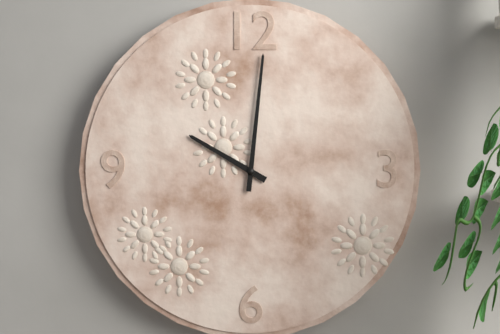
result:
10,01
